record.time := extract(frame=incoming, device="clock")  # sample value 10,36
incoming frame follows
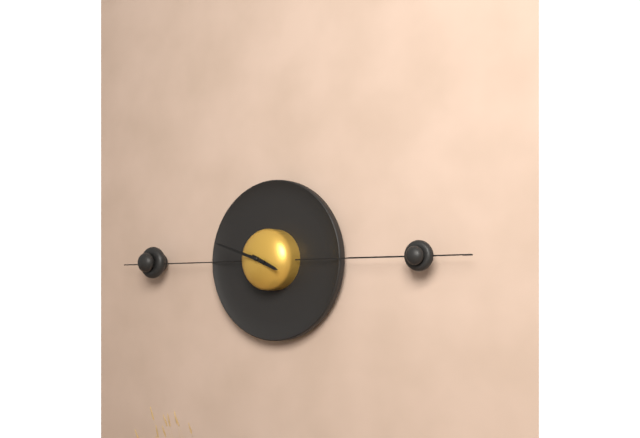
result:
3,48
